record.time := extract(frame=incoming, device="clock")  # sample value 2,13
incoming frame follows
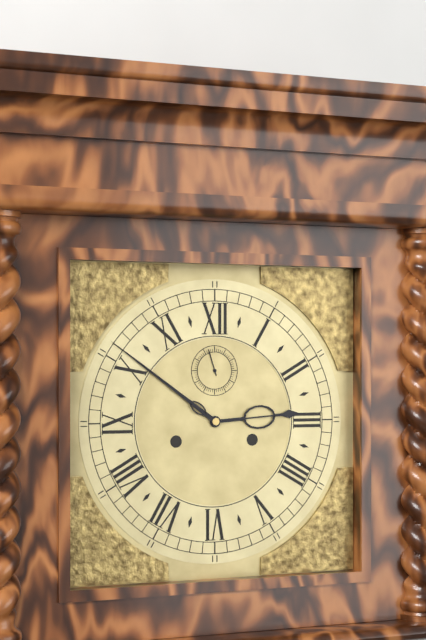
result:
2,51
